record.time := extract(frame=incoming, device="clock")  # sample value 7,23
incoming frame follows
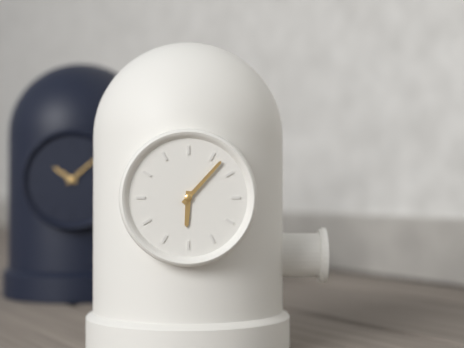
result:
6,07
